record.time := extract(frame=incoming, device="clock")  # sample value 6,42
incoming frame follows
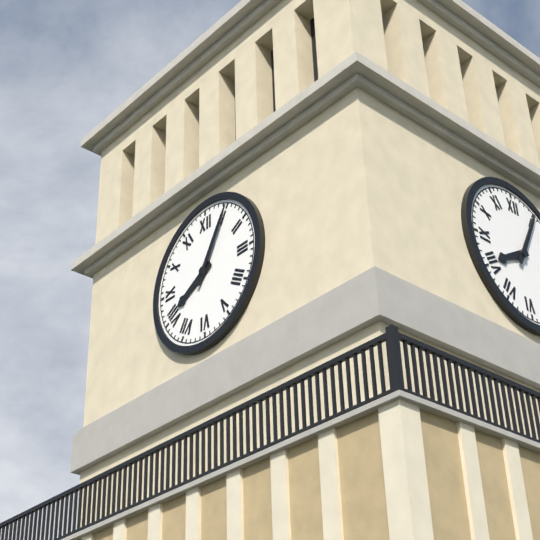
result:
8,05
